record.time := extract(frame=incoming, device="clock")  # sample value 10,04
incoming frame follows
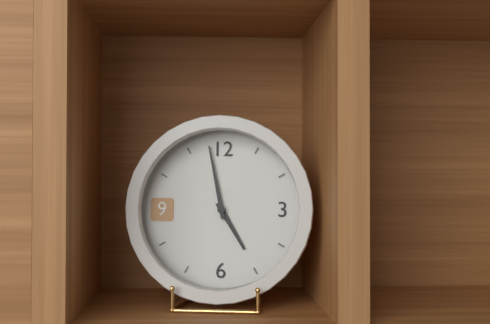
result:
4,58
